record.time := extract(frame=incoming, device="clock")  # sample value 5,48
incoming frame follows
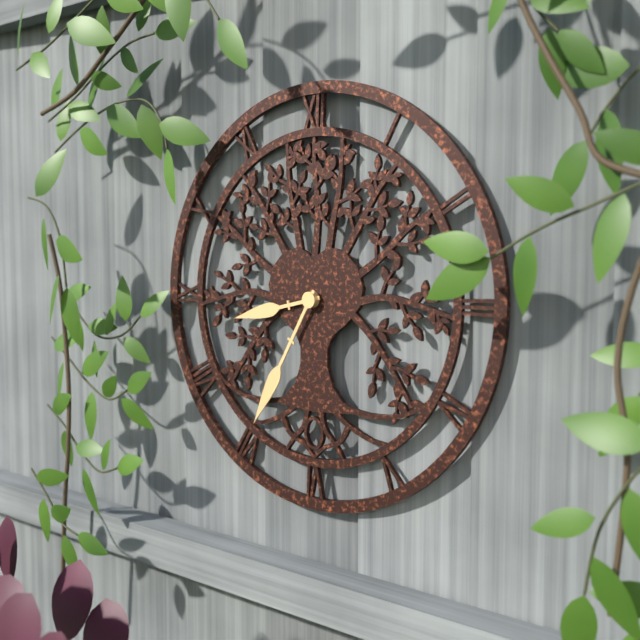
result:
8,35
